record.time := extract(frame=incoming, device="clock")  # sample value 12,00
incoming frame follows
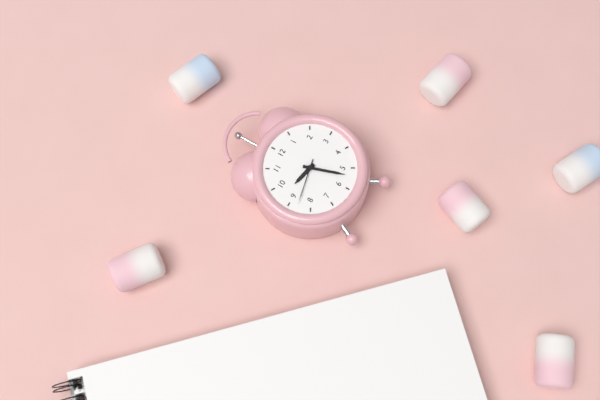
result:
9,27
